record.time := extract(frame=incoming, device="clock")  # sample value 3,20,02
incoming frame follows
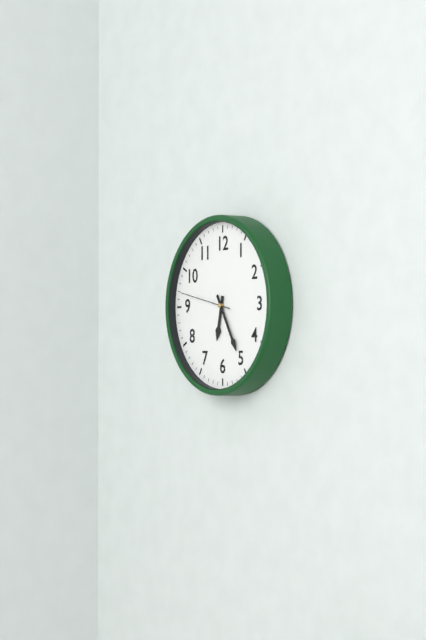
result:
6,25,47
